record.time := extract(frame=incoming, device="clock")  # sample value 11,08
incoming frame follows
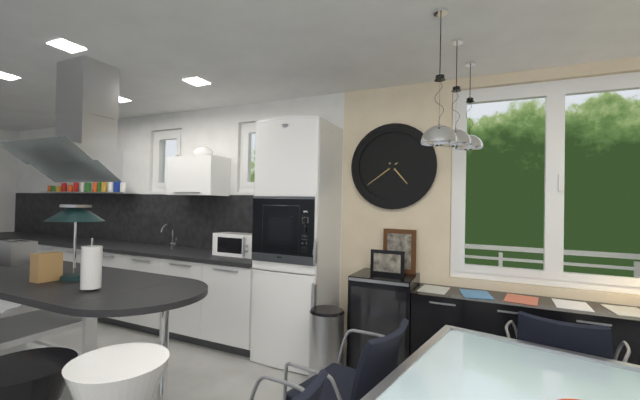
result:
4,39
